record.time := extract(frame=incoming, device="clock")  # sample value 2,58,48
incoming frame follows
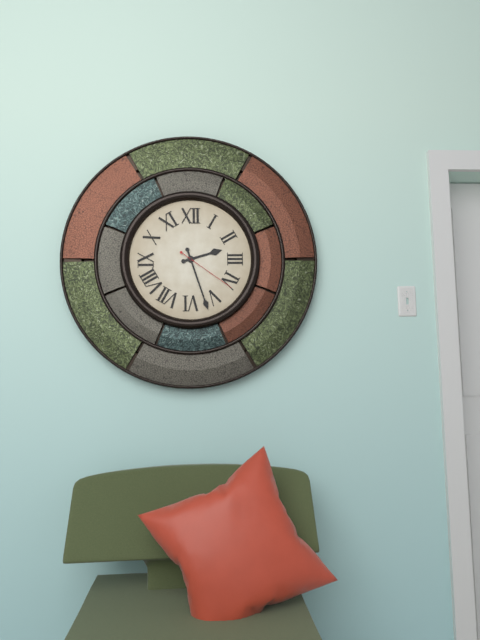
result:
2,27,21
